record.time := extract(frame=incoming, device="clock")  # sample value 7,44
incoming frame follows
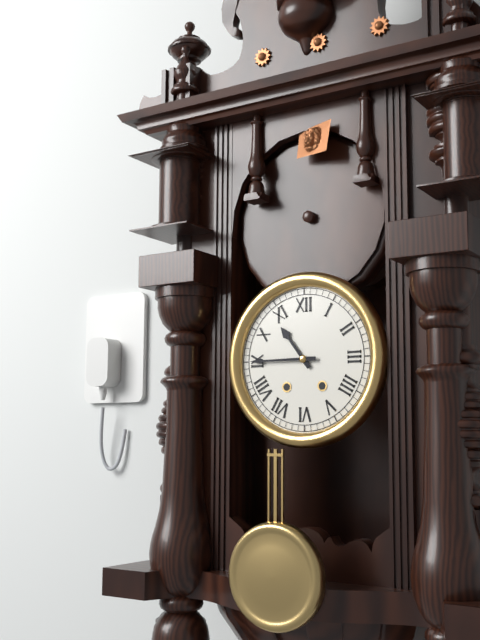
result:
10,45
